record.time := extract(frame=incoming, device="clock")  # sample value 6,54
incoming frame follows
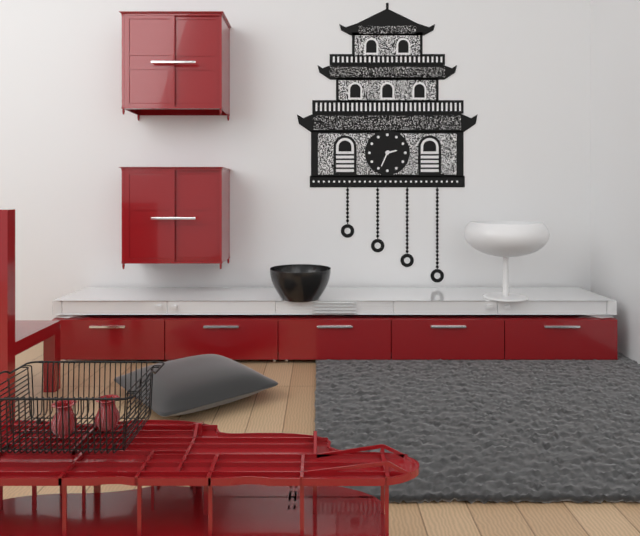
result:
2,34
